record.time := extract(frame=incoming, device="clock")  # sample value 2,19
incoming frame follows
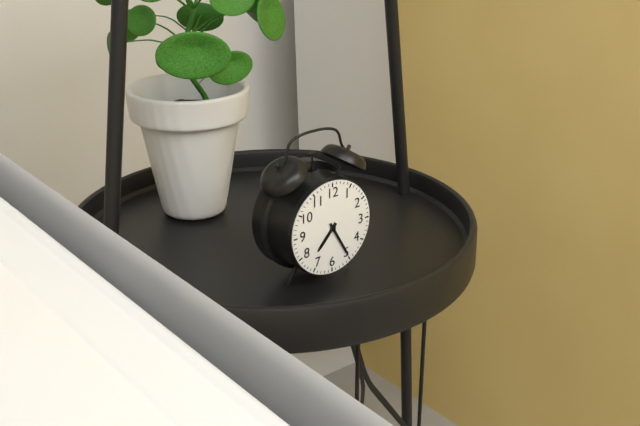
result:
7,25
